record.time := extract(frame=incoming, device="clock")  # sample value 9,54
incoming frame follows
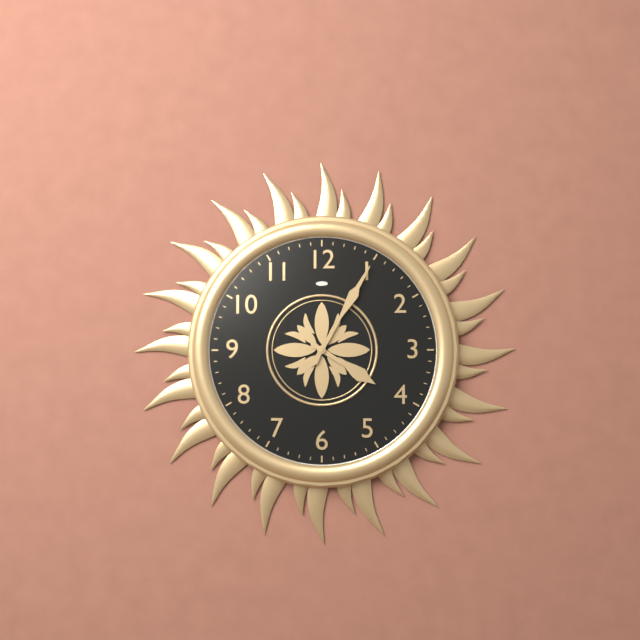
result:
4,05
